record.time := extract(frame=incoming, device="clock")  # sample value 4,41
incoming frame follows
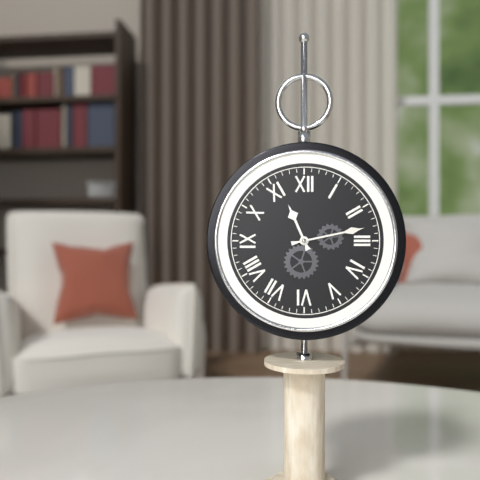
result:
11,13
